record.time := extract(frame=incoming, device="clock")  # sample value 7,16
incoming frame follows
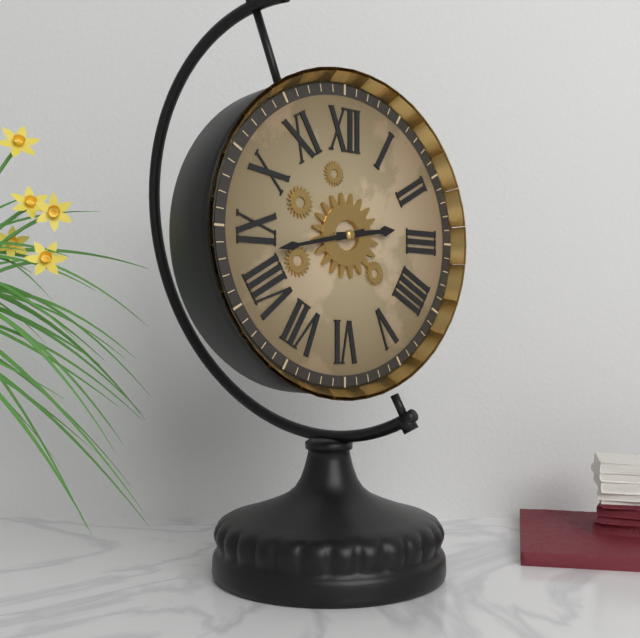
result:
2,43
